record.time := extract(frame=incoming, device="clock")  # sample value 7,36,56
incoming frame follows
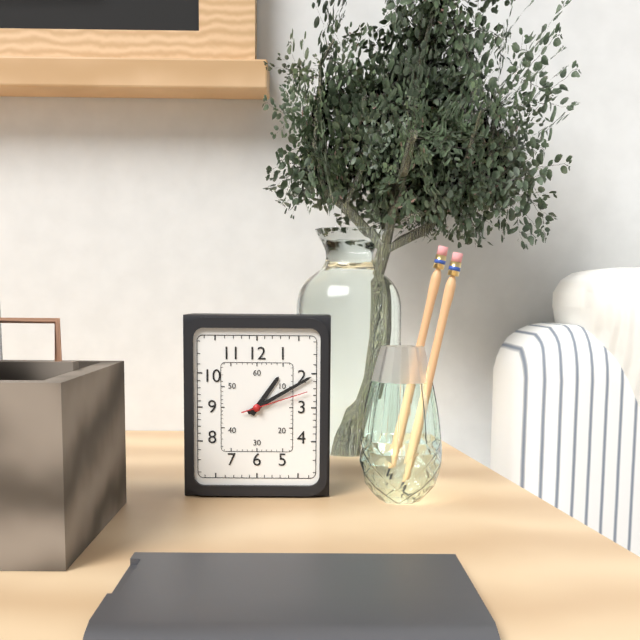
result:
1,10,12
